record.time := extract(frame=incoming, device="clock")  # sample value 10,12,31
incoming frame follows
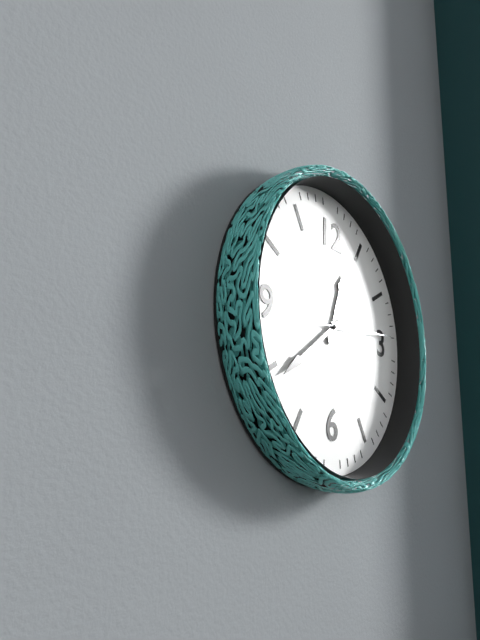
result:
12,39,14
